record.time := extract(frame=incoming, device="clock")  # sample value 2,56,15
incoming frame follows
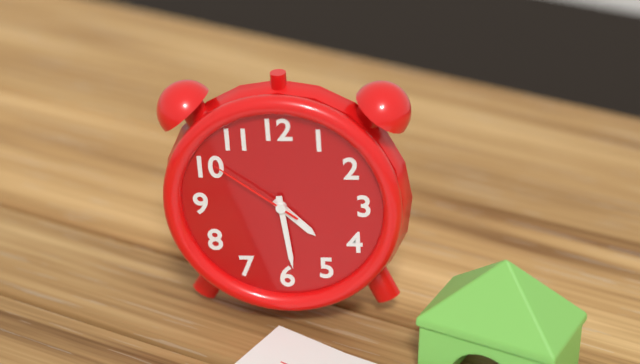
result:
4,29,51
